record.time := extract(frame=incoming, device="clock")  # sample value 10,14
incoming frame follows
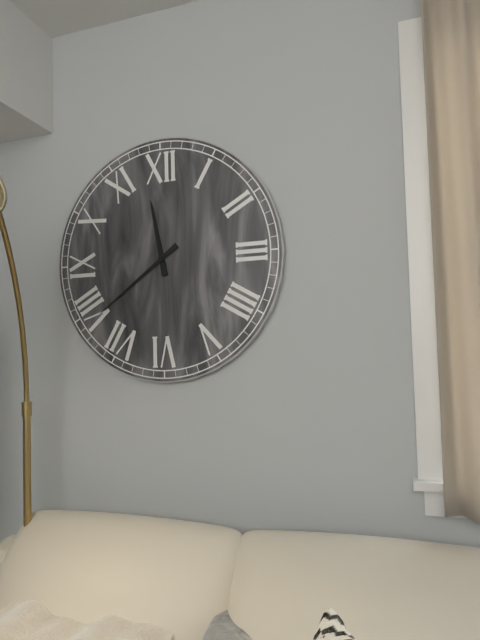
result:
11,39
